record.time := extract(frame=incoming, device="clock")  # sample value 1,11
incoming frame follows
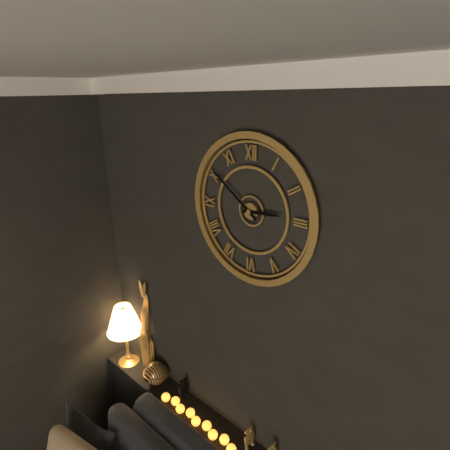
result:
2,51
